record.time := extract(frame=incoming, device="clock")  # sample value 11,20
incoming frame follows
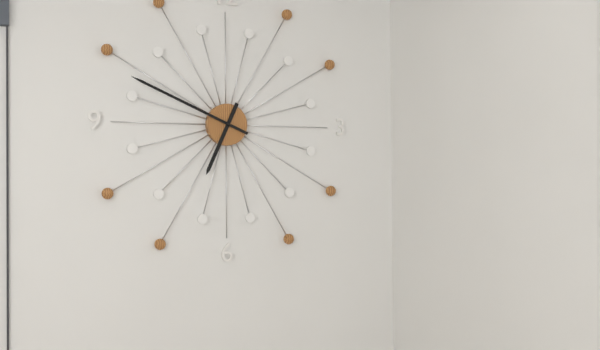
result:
6,49
